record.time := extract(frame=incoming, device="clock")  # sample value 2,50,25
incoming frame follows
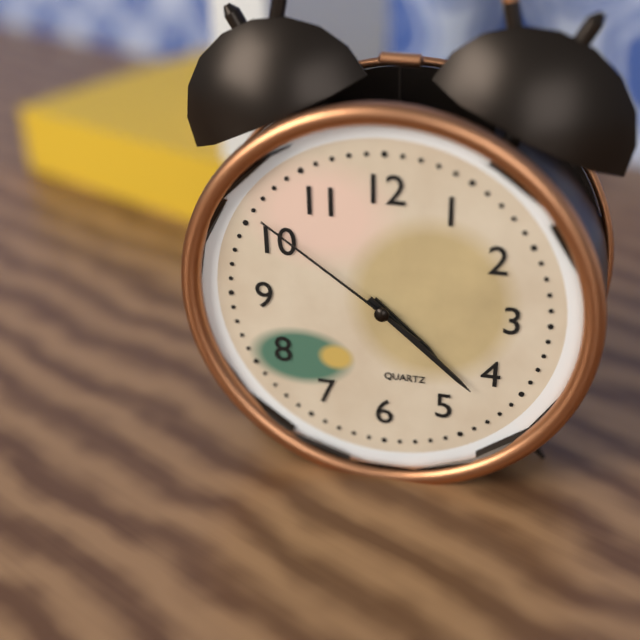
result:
4,22,51
